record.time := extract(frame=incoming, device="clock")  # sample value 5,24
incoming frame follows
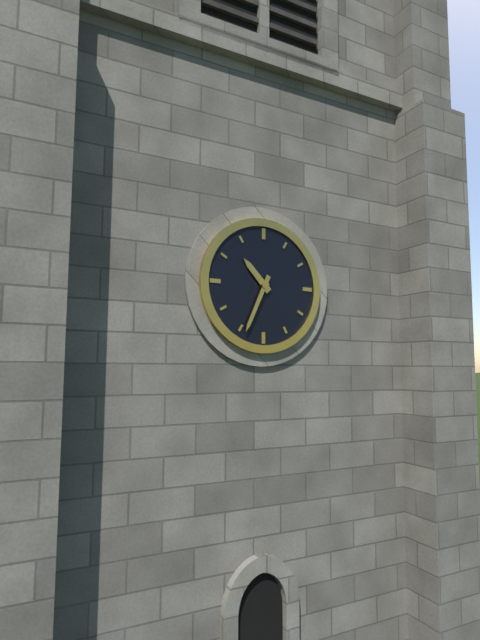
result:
10,34
